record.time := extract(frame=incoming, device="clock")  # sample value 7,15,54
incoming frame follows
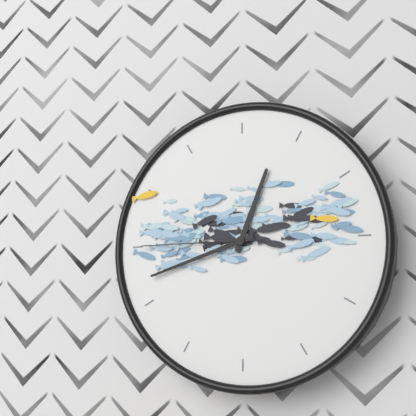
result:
12,42,45
